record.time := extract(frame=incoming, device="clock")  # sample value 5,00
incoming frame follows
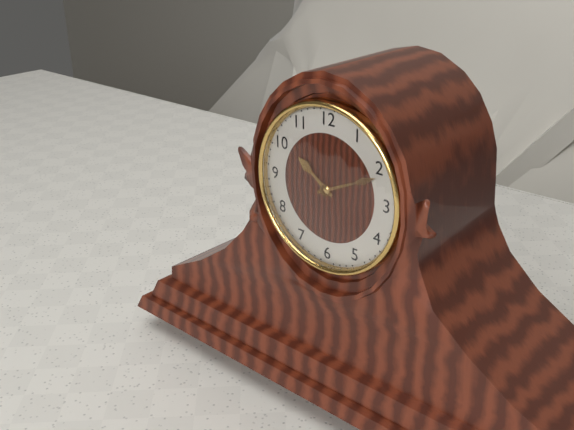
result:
10,11
